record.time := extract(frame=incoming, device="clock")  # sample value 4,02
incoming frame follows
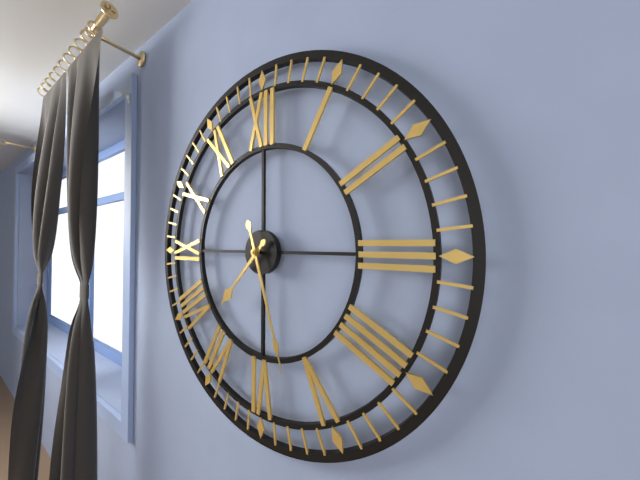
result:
7,27
